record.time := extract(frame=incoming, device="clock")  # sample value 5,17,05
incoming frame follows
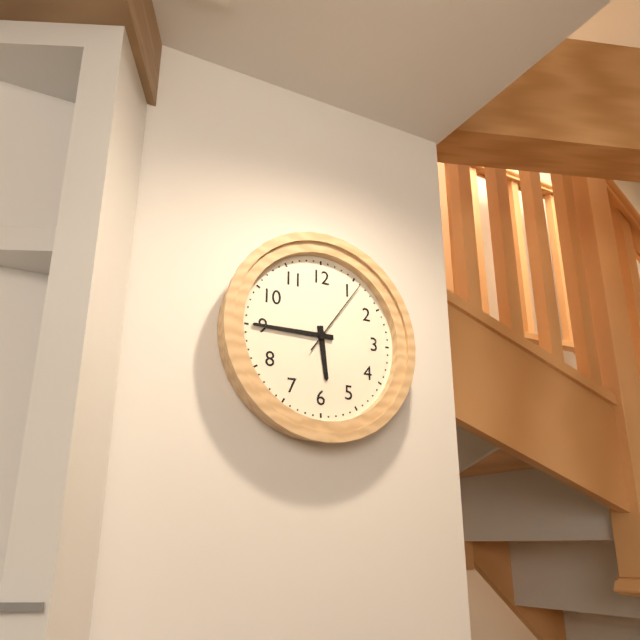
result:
5,45,06
